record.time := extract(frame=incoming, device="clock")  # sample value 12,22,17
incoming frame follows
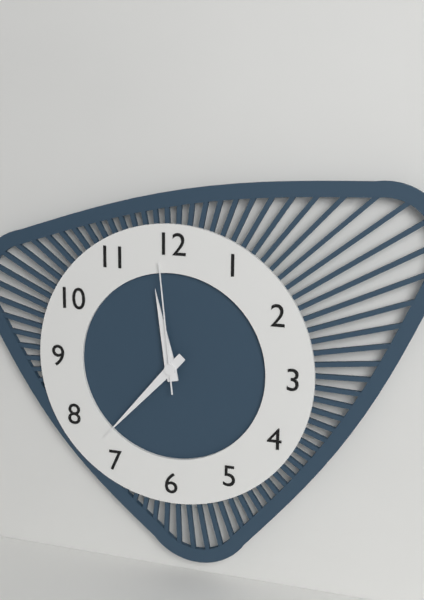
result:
11,37,59
